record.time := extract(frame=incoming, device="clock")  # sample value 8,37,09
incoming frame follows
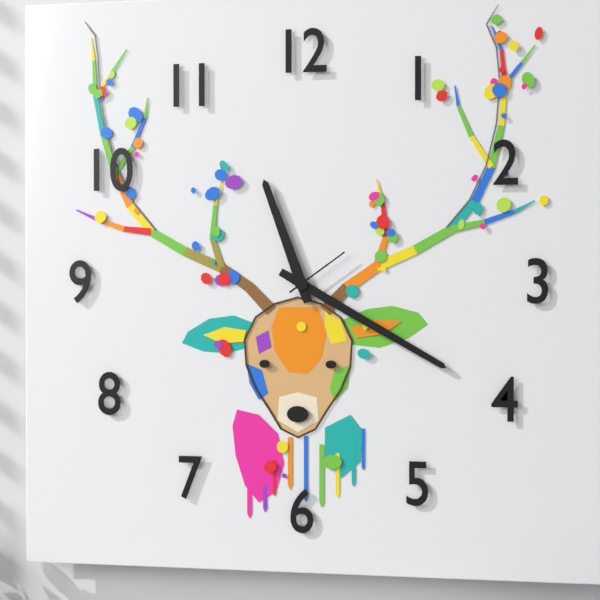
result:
11,20,09
